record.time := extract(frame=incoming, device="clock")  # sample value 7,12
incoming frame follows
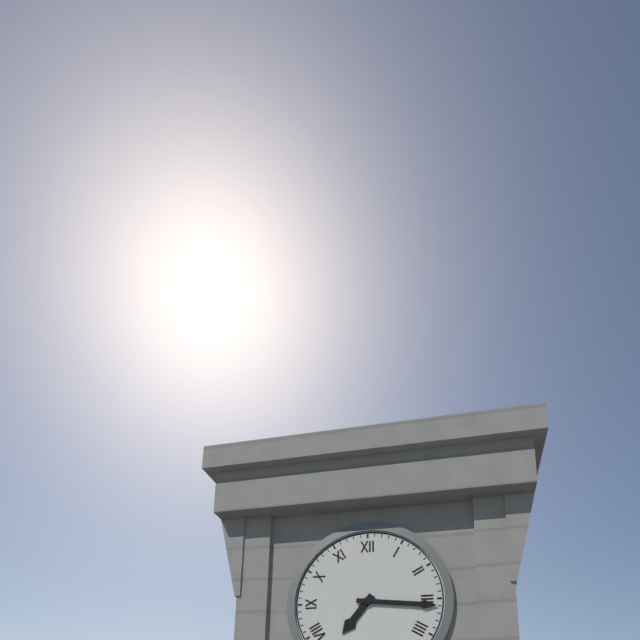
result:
7,16
